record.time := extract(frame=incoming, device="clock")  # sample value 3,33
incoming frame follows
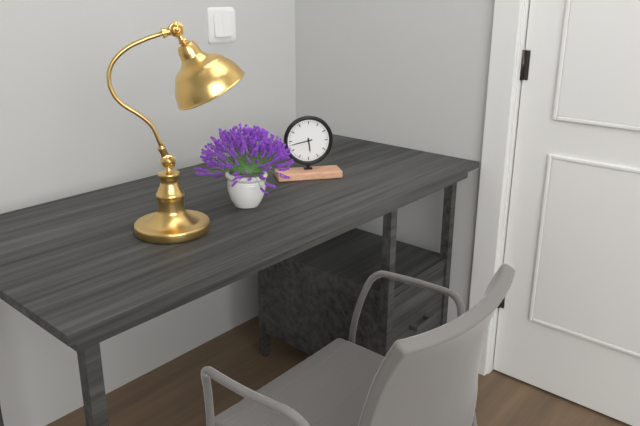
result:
5,43
